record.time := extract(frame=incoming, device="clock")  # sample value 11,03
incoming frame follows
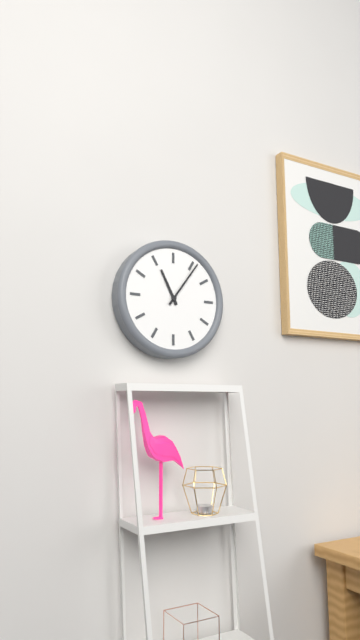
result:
11,06
